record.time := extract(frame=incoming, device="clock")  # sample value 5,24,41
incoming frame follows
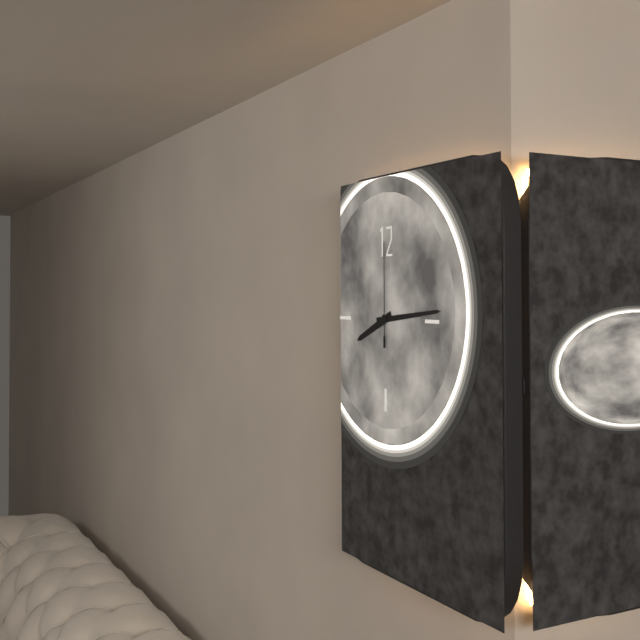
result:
8,14,00
